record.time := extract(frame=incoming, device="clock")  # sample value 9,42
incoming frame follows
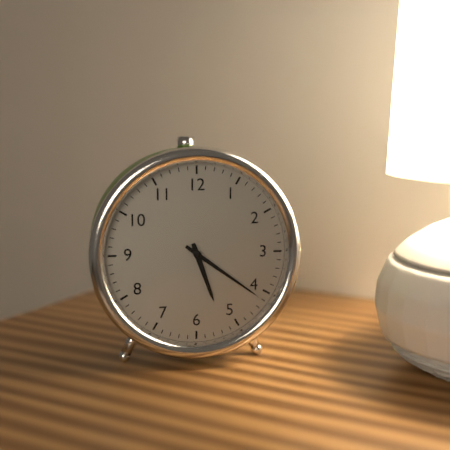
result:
5,21
